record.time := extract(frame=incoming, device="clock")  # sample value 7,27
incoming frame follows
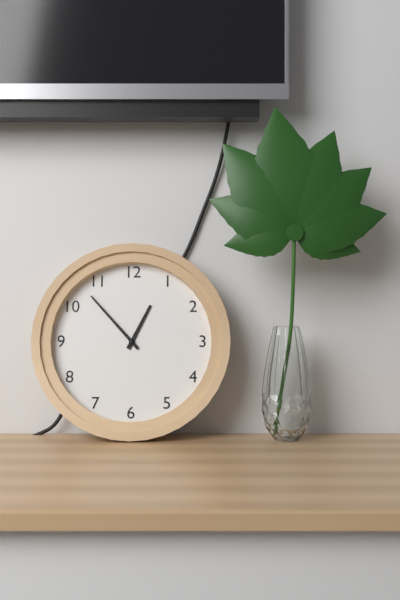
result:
12,53
